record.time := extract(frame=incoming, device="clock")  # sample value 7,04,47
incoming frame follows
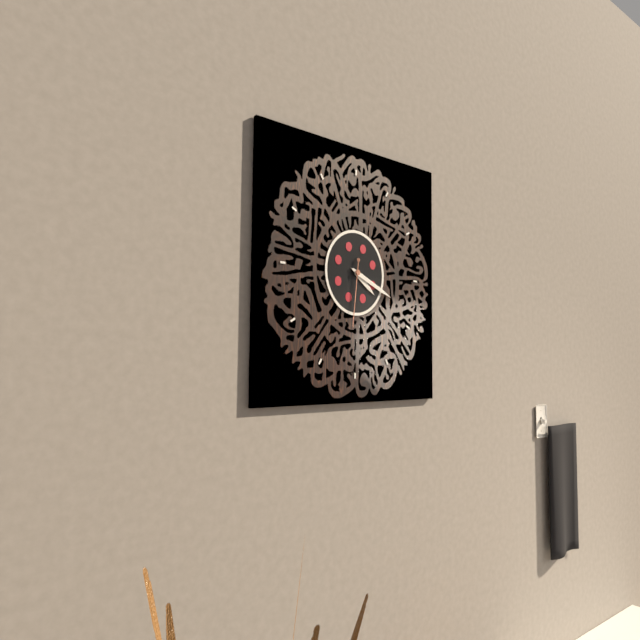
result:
4,19,31
